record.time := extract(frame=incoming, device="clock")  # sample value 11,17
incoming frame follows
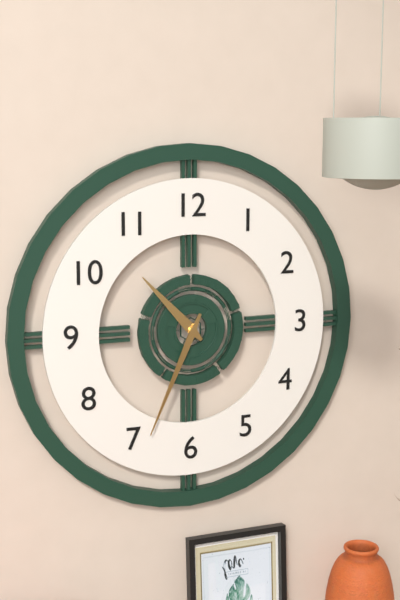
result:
10,34
